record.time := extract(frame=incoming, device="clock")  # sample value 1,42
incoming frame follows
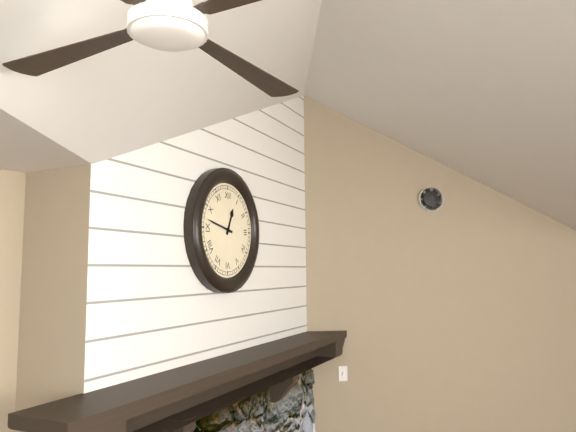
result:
12,47
